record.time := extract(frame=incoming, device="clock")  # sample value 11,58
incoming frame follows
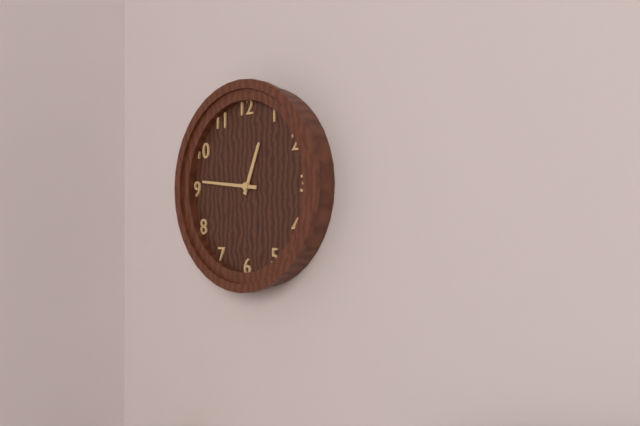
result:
12,46
